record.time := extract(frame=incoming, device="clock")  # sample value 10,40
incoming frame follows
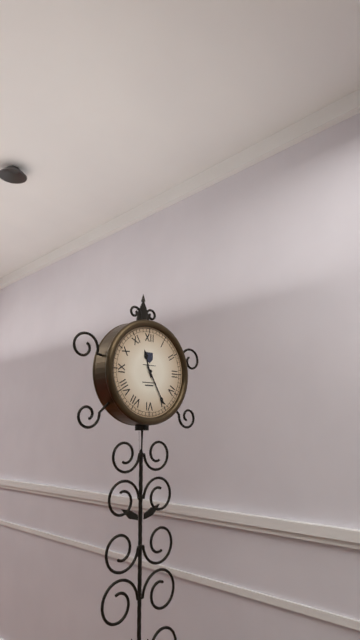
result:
11,25
